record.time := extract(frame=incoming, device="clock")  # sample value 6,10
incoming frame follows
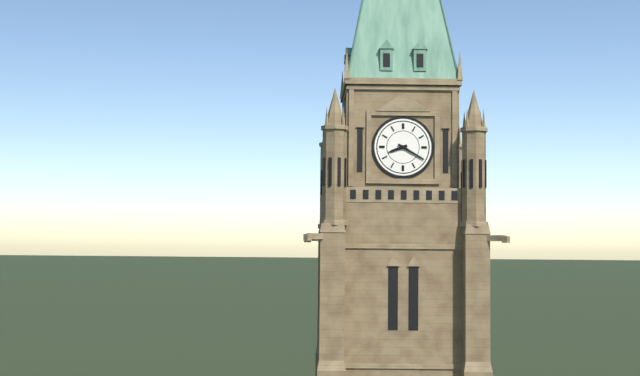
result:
8,20
